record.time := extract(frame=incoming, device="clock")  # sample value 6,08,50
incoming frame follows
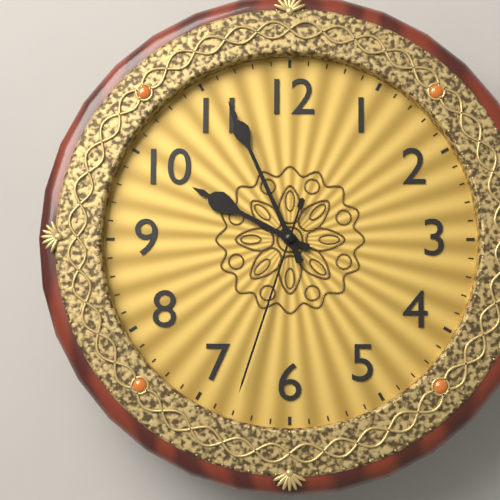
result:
9,56,33
